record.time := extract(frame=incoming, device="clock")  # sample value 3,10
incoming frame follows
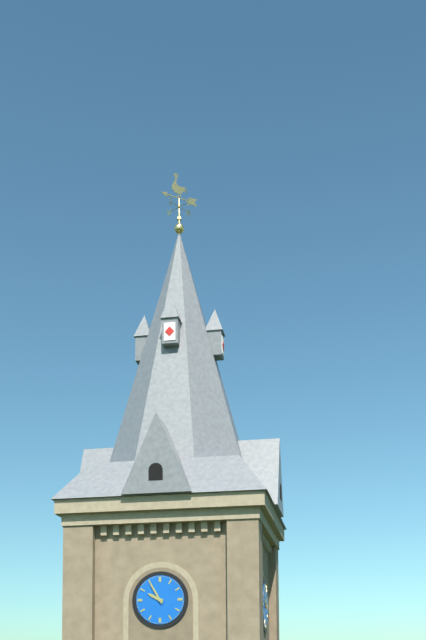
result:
9,55
